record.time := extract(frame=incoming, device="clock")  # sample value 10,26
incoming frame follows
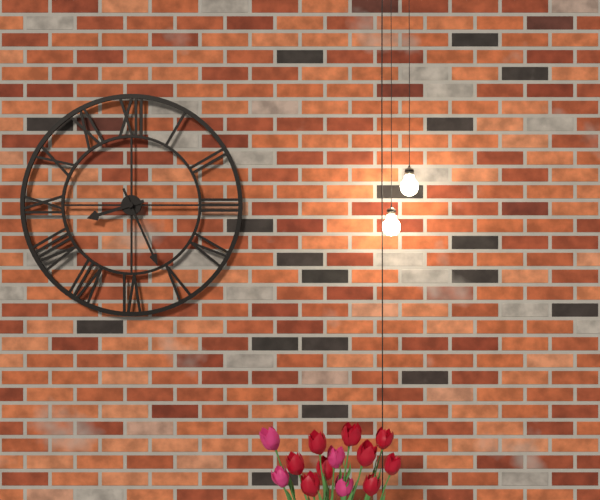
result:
8,26
